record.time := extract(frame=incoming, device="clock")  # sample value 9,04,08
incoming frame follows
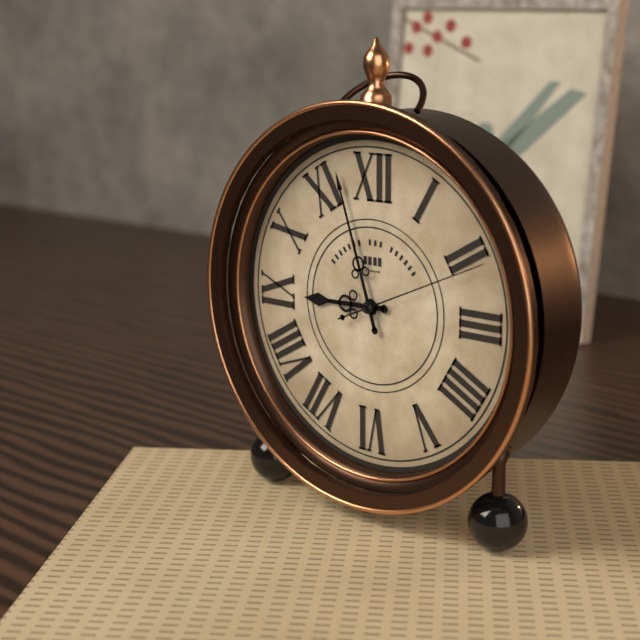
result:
8,57,11
